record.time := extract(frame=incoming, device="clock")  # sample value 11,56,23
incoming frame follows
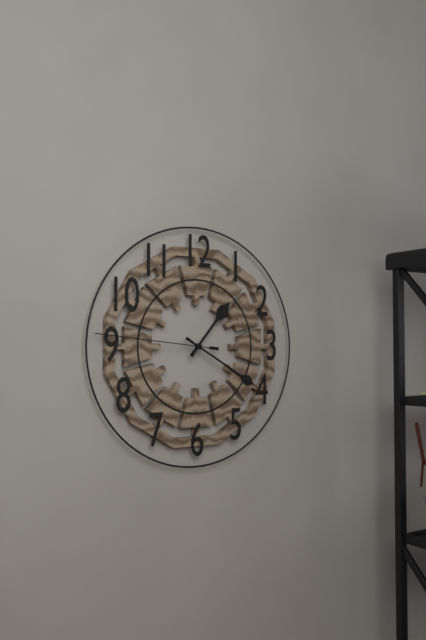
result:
1,20,46
